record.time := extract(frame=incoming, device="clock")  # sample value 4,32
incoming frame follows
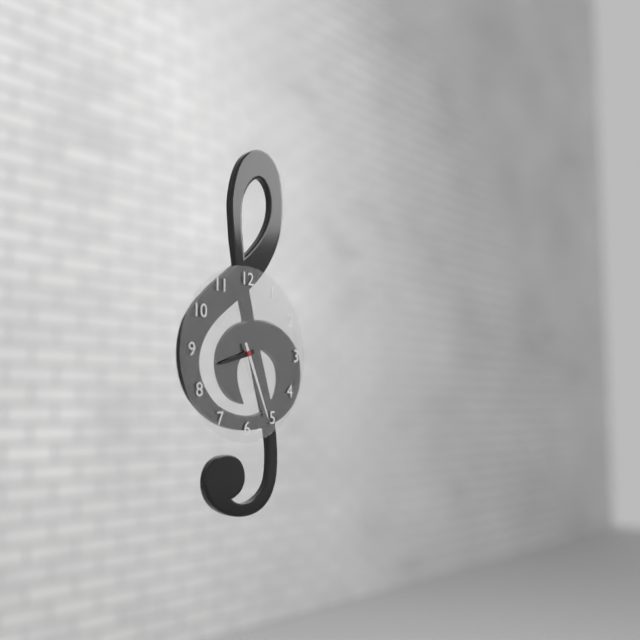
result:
8,26
